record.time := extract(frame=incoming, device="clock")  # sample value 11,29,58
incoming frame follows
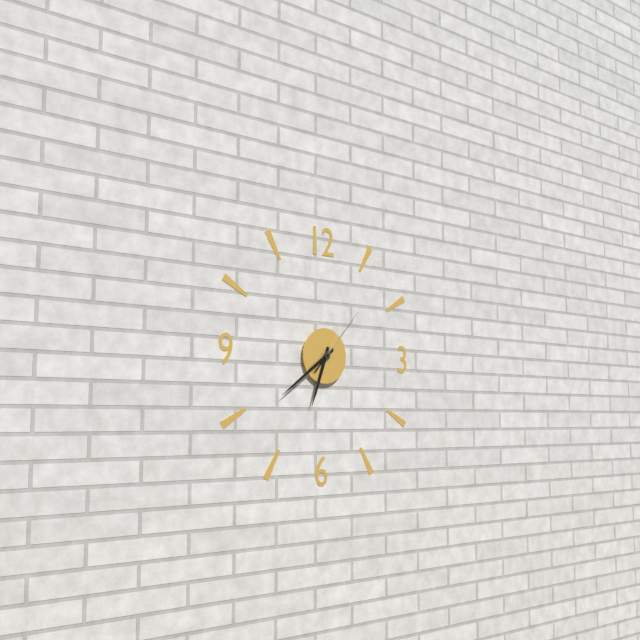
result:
6,39,07
